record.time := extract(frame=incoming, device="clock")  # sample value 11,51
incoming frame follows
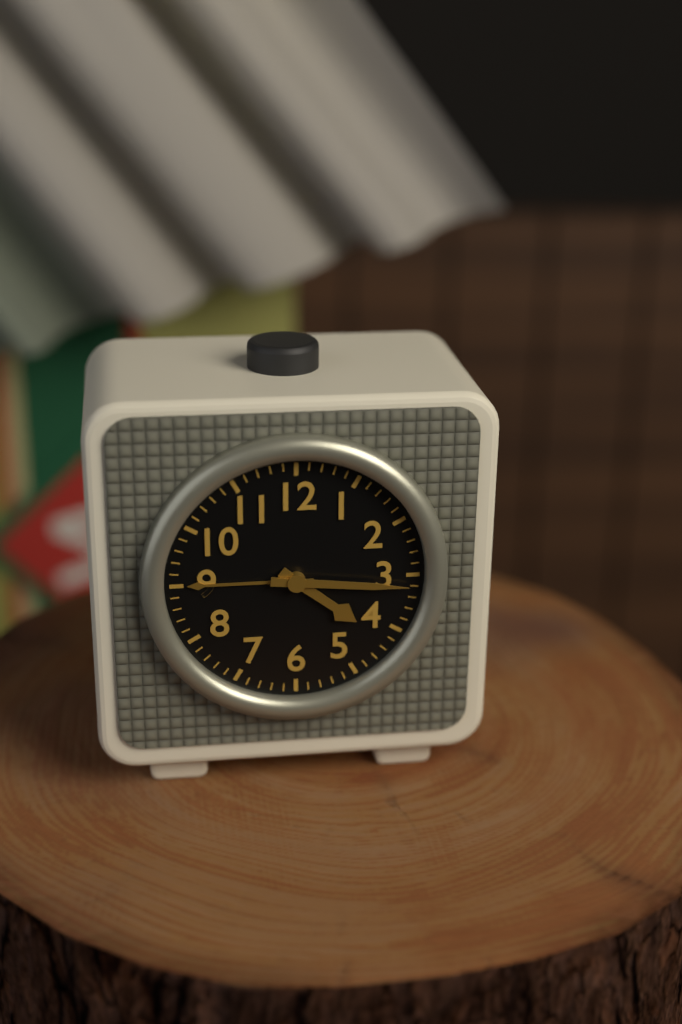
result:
4,16
